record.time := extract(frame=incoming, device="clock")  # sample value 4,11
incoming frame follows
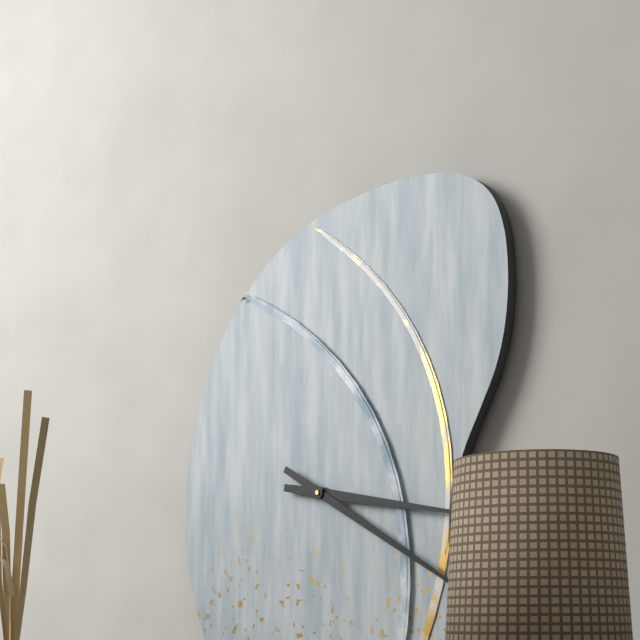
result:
3,20
